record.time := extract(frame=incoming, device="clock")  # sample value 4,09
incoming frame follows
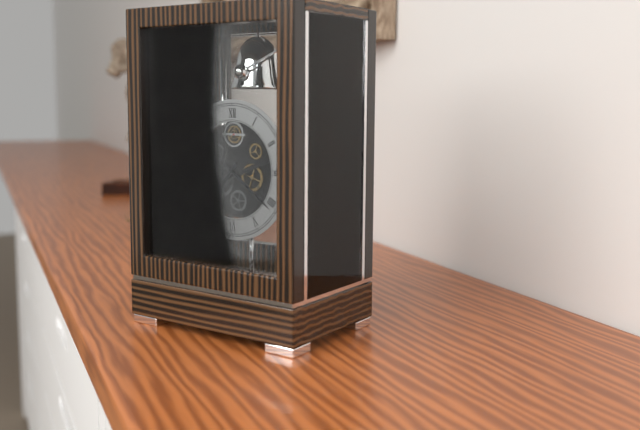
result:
7,21
